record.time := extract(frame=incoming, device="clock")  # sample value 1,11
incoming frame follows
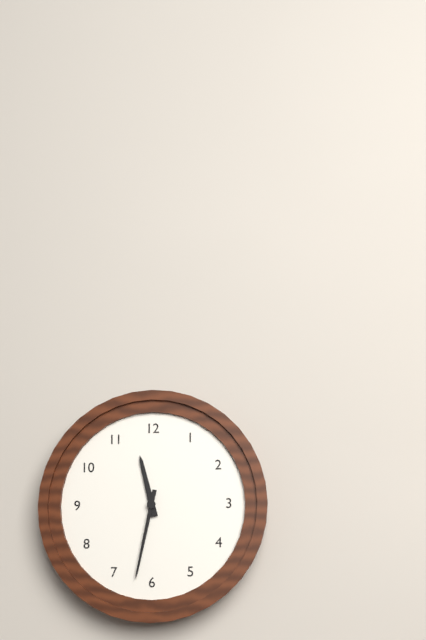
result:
11,32
